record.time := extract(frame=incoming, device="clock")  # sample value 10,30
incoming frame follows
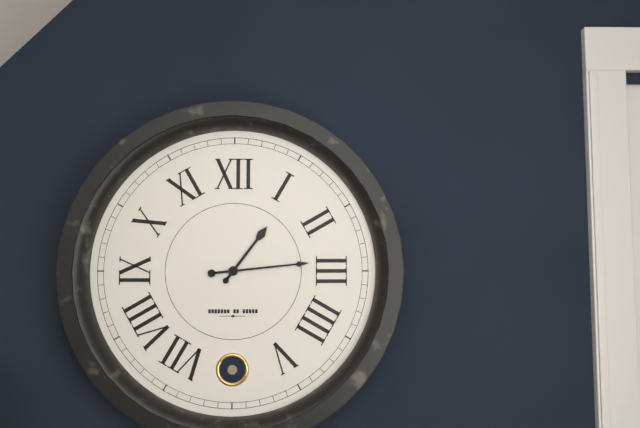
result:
1,14
